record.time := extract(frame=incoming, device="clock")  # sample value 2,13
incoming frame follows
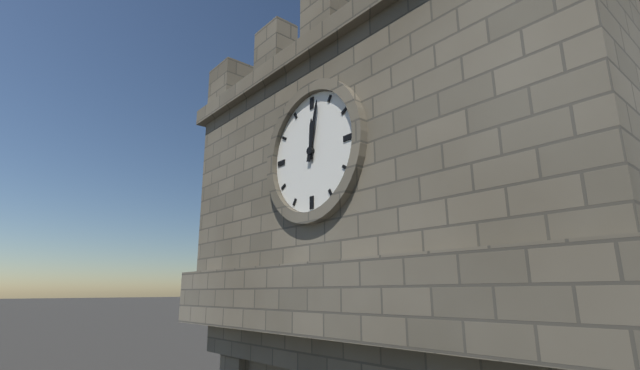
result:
12,02
